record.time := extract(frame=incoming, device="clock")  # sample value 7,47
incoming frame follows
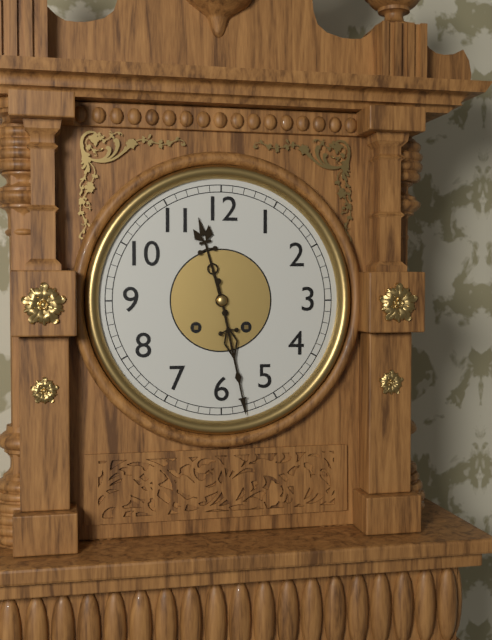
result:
11,28
